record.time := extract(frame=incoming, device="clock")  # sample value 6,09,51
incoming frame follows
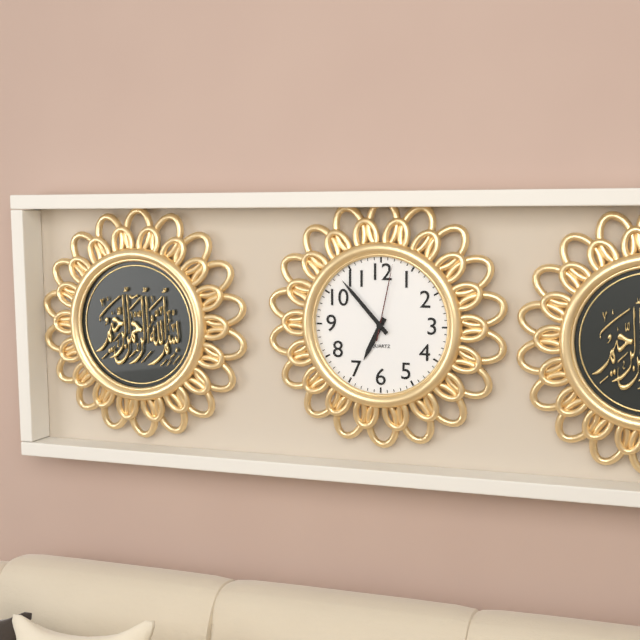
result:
6,53,02
